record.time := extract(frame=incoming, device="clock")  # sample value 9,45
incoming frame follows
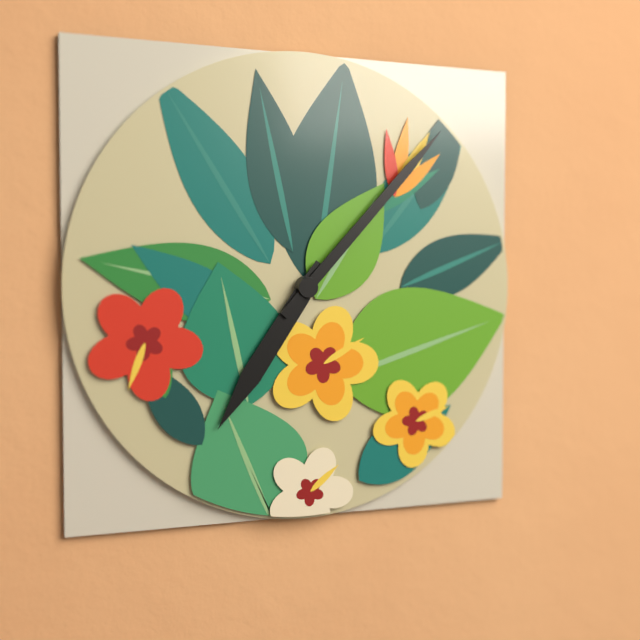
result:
7,07
